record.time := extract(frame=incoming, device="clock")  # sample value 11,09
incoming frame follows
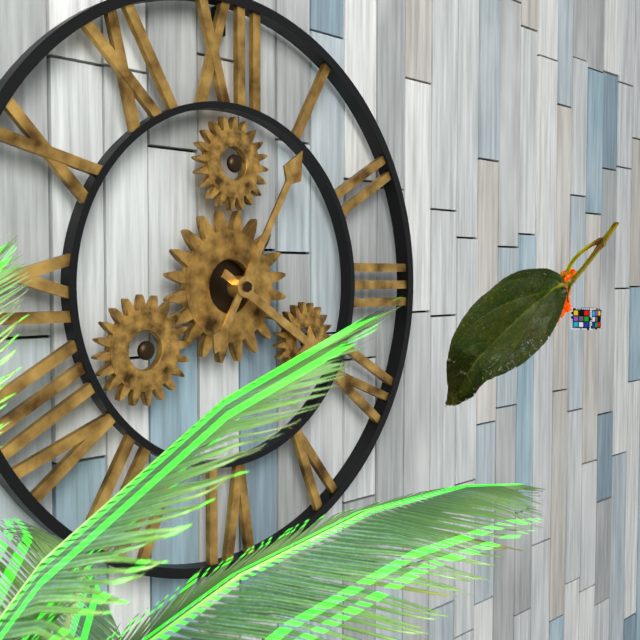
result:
4,05
